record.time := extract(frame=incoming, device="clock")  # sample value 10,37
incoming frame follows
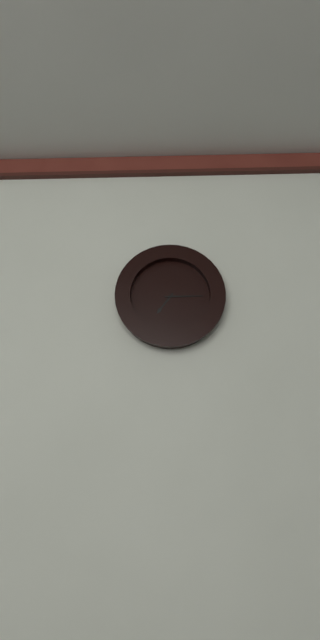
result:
7,15
